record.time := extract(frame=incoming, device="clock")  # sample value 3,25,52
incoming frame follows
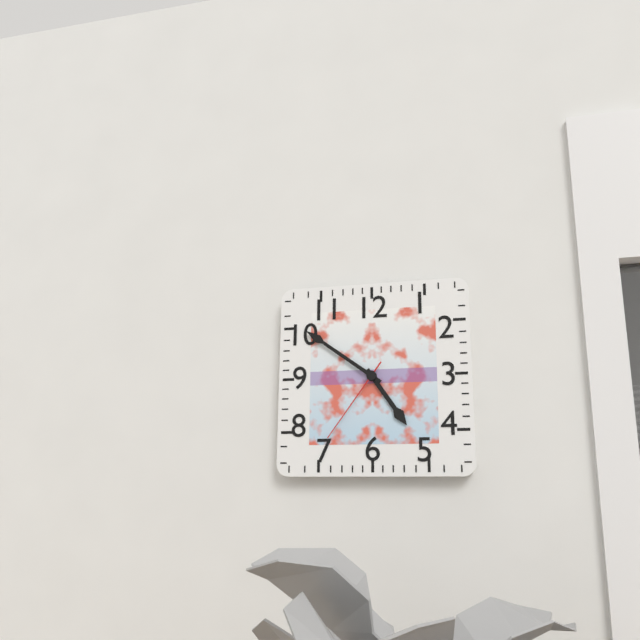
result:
4,51,36
